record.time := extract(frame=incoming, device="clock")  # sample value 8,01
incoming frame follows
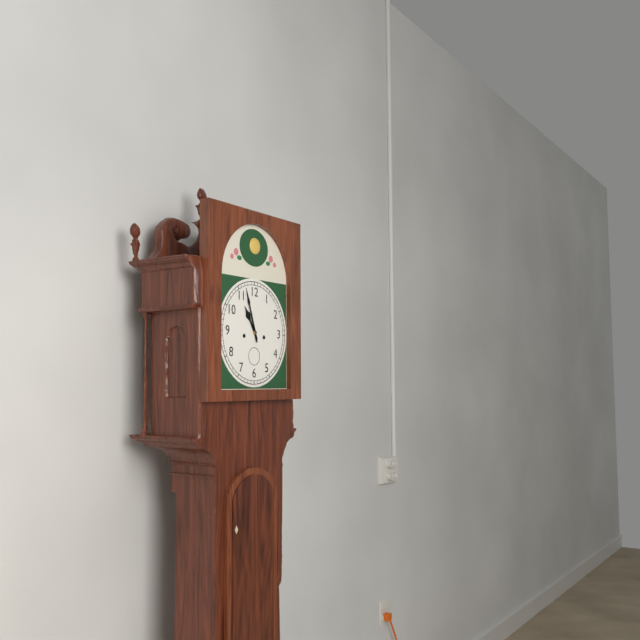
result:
10,57
